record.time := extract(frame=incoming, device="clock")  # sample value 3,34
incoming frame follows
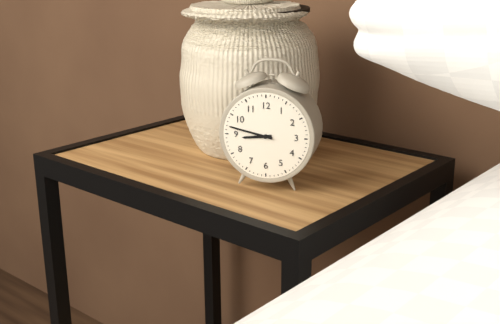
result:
8,47
